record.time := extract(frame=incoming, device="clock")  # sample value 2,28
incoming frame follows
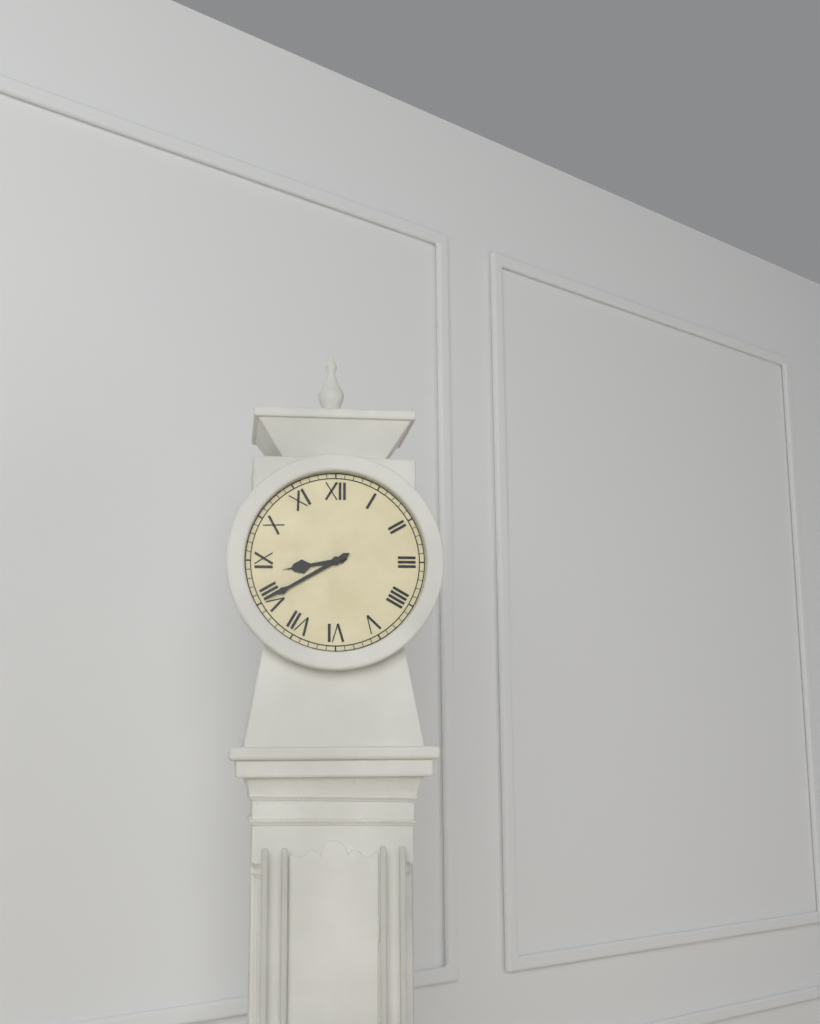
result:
8,40
